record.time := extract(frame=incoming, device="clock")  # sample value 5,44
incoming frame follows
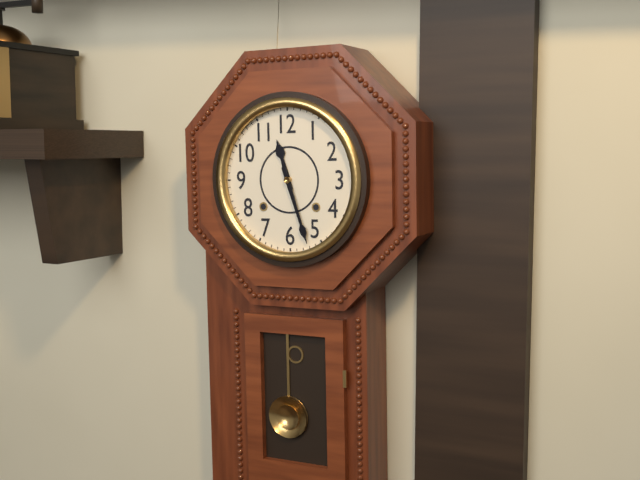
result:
11,27
